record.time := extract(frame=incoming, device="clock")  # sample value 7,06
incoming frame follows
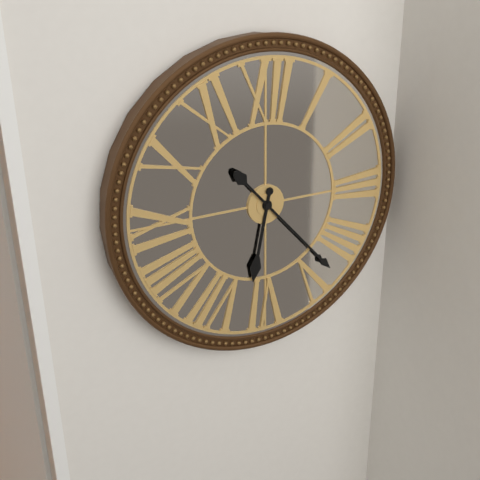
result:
6,23
